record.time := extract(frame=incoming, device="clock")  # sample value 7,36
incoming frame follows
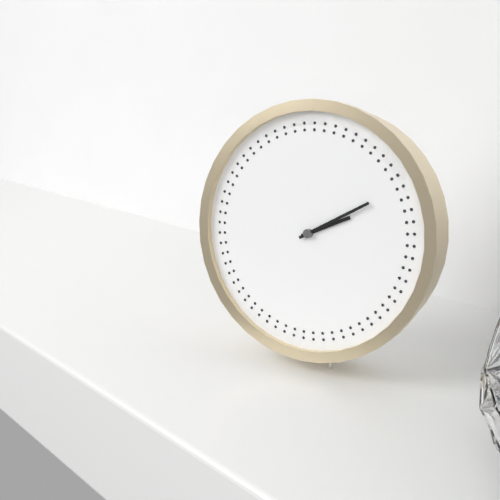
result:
2,10
